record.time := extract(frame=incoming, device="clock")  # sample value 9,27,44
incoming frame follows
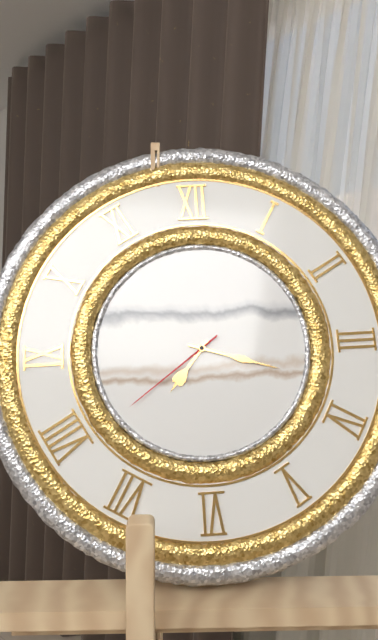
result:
7,18,39
